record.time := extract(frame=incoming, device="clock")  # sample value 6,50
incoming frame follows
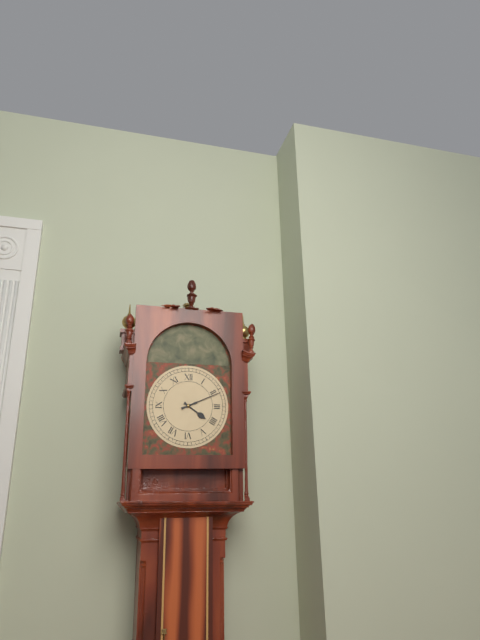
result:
4,11
